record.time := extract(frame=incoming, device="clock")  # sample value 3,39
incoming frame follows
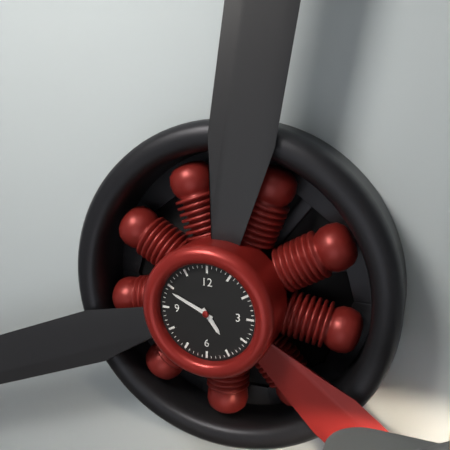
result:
4,49
